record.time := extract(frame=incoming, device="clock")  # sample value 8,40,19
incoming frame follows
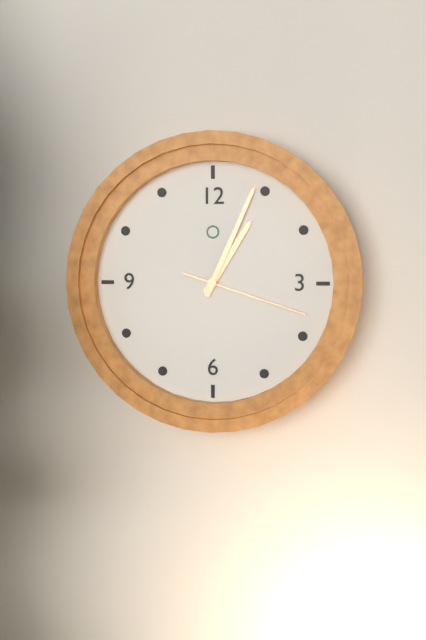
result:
1,04,18
